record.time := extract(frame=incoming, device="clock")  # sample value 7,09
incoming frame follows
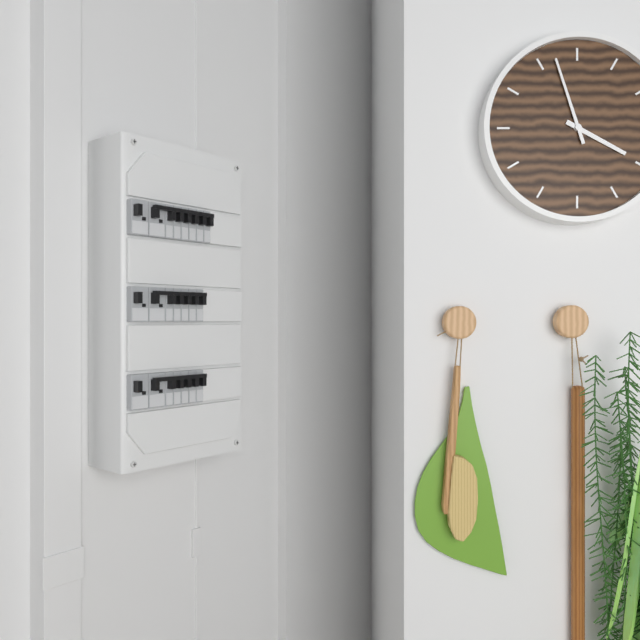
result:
3,57
